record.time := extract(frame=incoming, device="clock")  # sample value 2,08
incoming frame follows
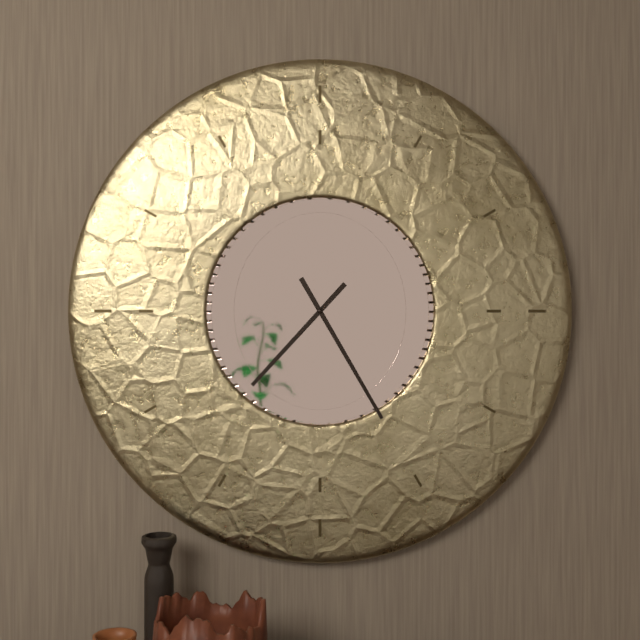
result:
7,25
